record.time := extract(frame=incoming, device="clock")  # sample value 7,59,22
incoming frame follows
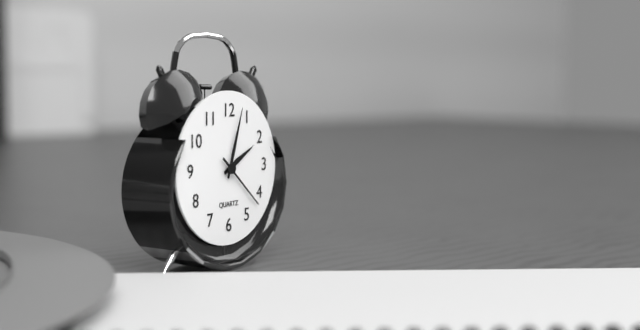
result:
2,03,22
